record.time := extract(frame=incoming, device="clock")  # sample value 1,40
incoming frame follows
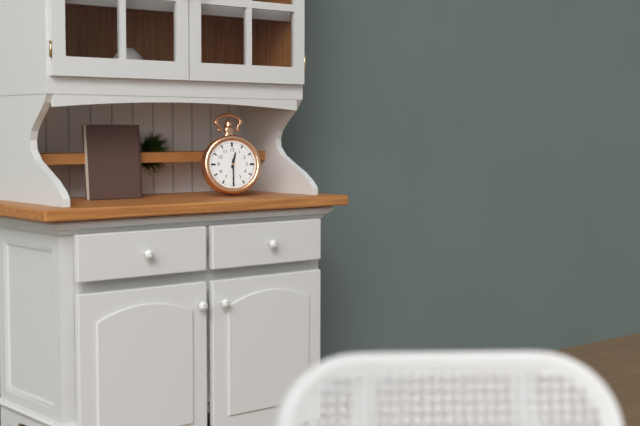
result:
12,30
